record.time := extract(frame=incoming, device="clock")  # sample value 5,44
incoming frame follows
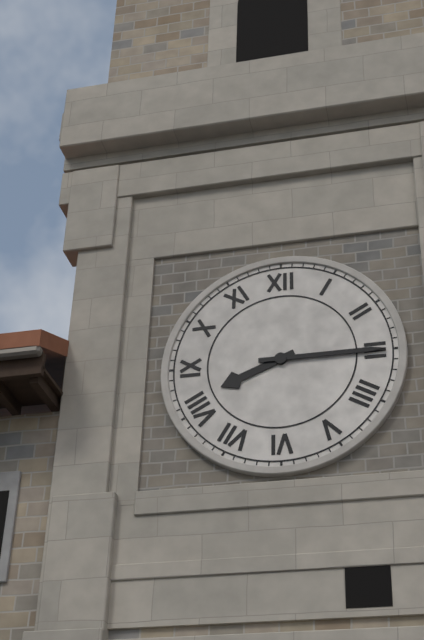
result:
8,15
